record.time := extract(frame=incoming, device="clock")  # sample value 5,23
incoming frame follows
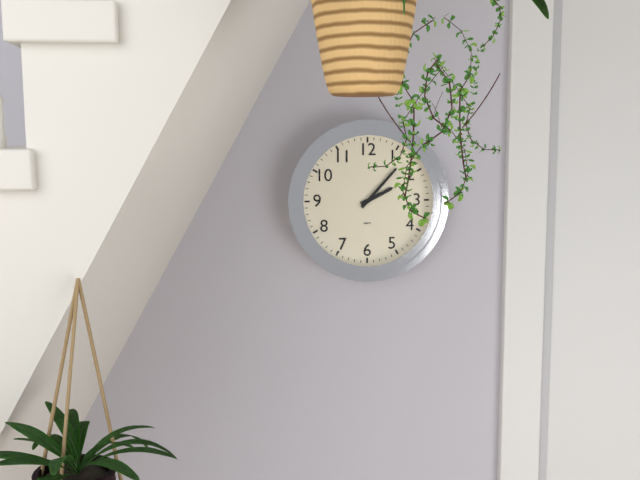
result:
2,07
